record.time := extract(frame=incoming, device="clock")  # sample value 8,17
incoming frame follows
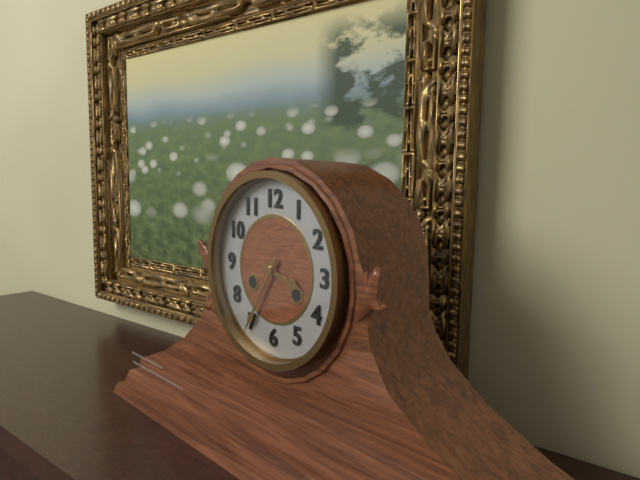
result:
3,35
